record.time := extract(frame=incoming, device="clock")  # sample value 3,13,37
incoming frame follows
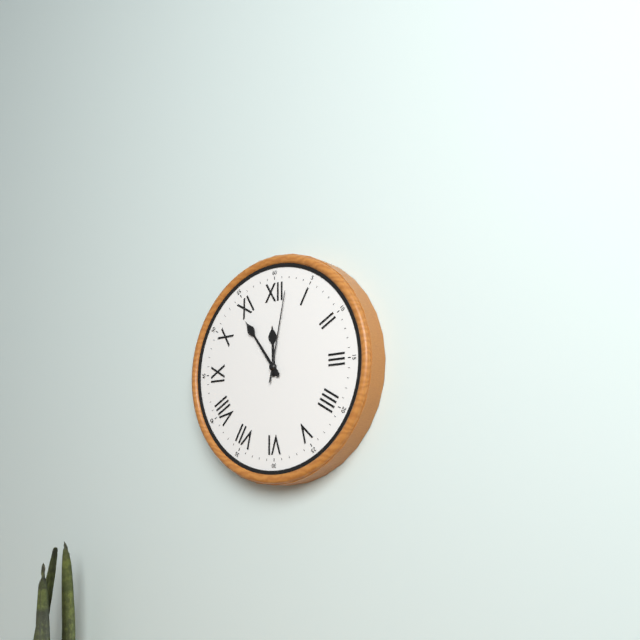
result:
11,54,02
